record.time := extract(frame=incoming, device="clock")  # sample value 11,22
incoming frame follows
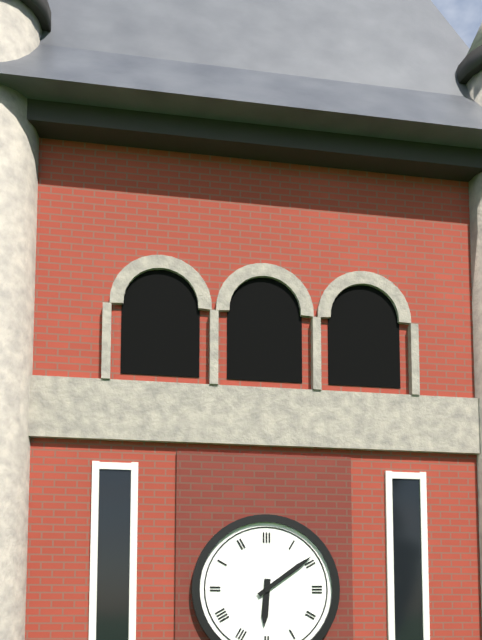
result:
6,09
